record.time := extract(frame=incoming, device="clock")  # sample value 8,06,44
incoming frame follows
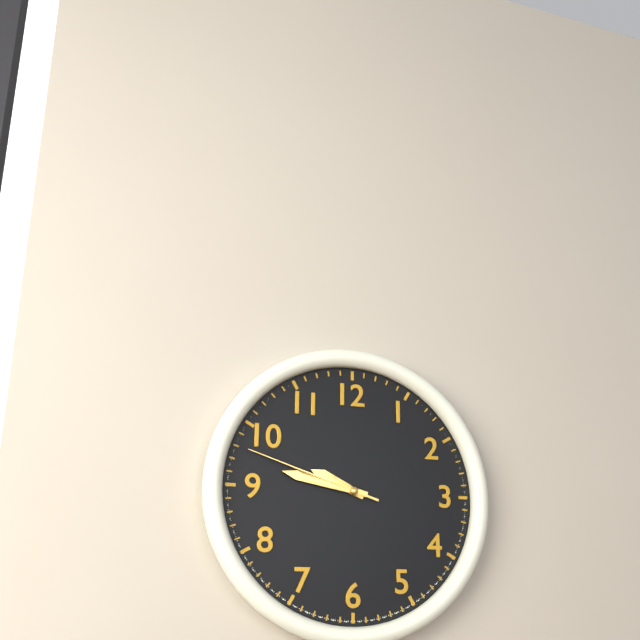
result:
9,47,48
